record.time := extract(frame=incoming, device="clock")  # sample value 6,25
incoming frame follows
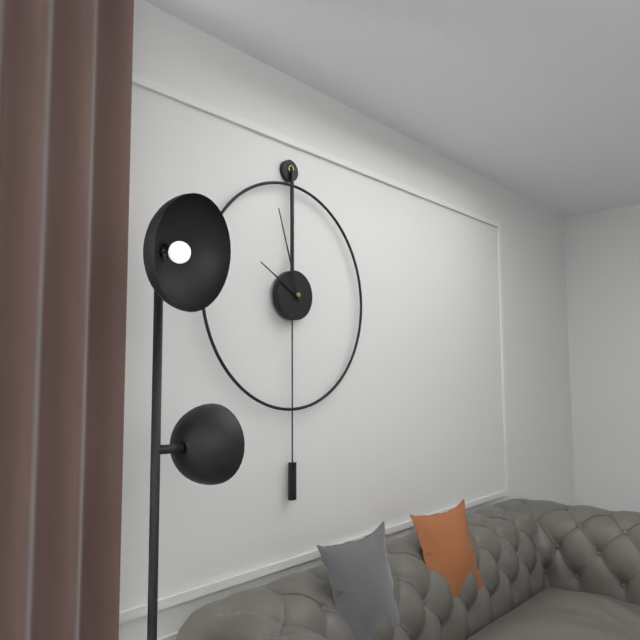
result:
9,57
